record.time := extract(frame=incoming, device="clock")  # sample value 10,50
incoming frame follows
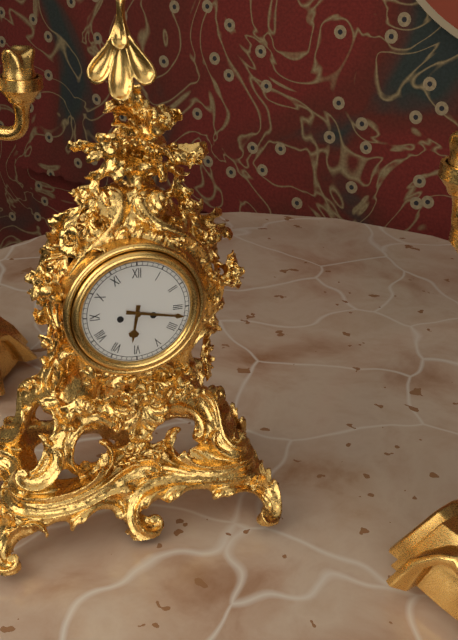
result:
6,17
